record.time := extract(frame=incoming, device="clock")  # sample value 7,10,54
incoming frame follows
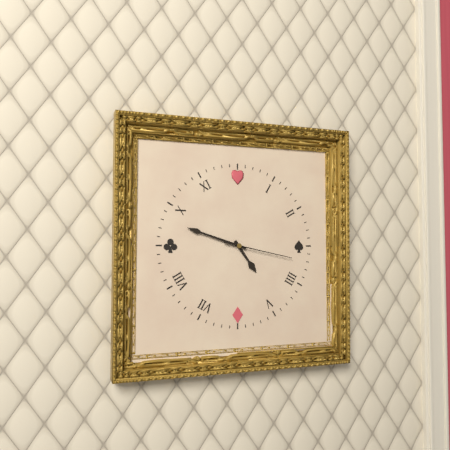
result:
4,48,17
